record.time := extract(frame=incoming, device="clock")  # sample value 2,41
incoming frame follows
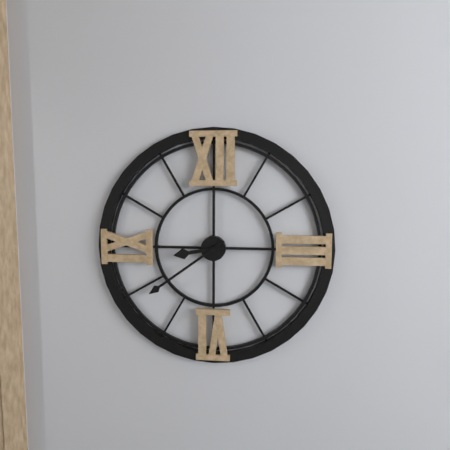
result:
8,39
